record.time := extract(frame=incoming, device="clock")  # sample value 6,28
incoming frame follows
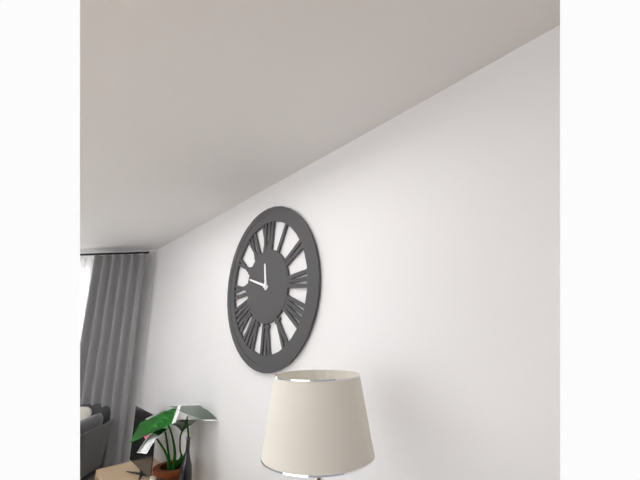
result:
11,48
